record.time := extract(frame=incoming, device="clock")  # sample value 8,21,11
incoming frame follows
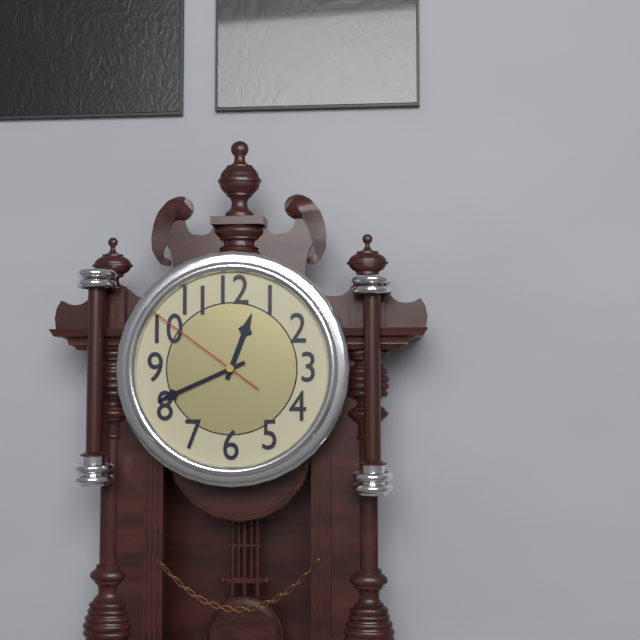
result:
12,41,51
